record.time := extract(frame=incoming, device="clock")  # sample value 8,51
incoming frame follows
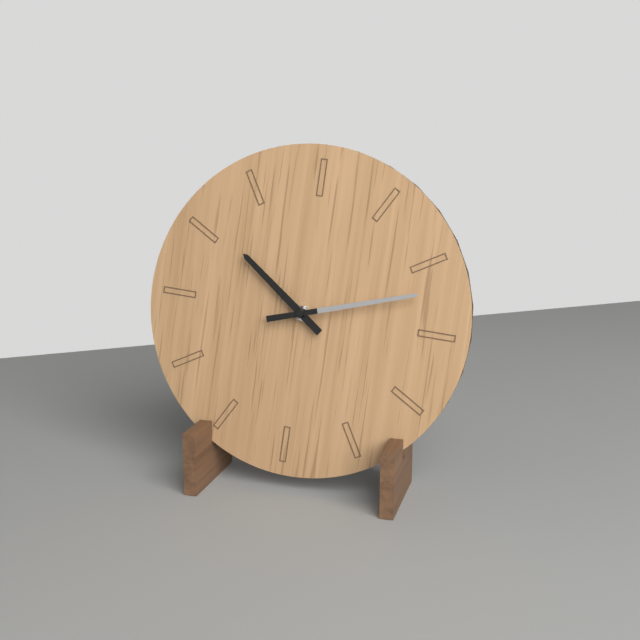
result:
10,12
